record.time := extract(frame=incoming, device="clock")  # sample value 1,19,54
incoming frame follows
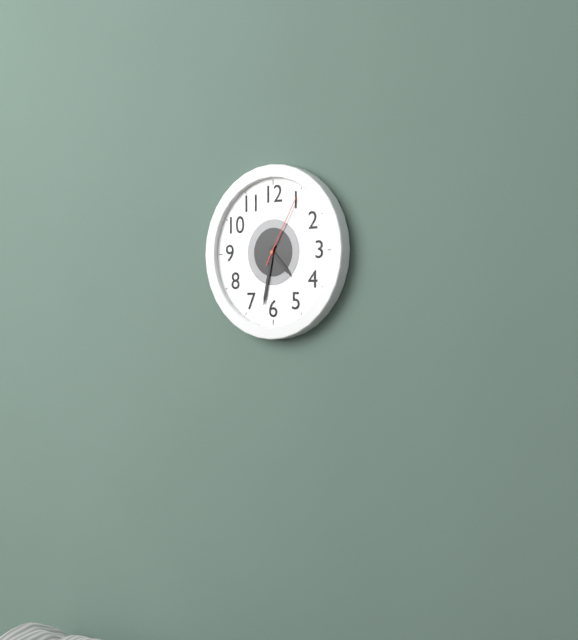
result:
4,32,05
